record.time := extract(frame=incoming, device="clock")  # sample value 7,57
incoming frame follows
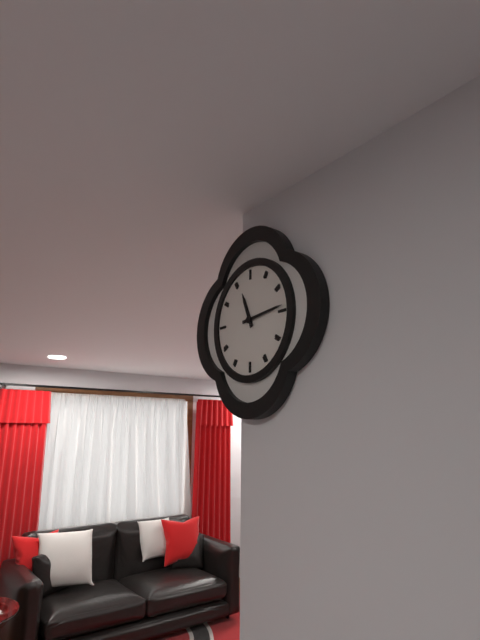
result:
11,14
